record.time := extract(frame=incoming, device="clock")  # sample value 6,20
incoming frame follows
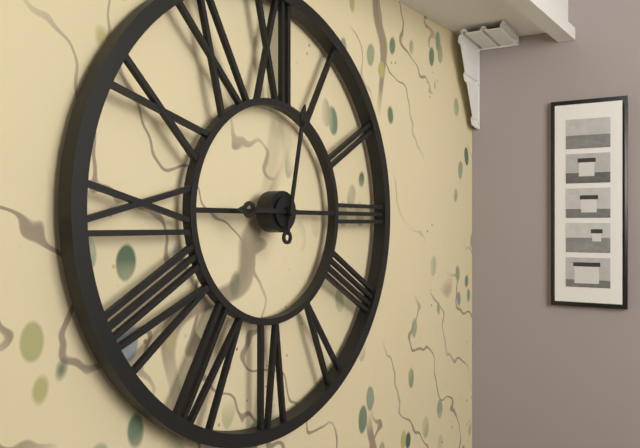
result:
9,02
